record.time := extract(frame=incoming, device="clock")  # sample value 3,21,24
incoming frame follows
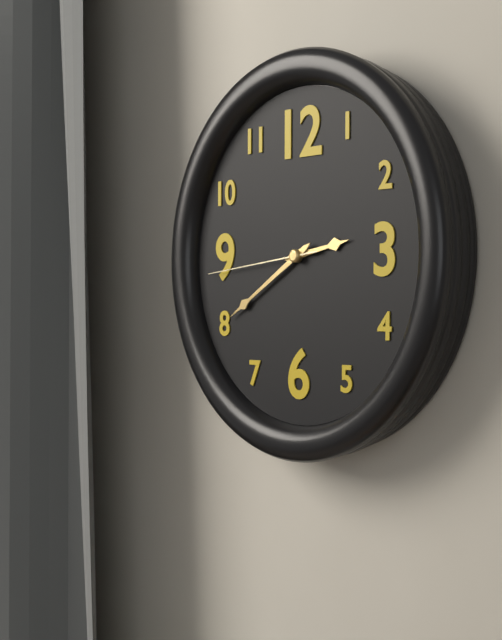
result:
2,40,44
